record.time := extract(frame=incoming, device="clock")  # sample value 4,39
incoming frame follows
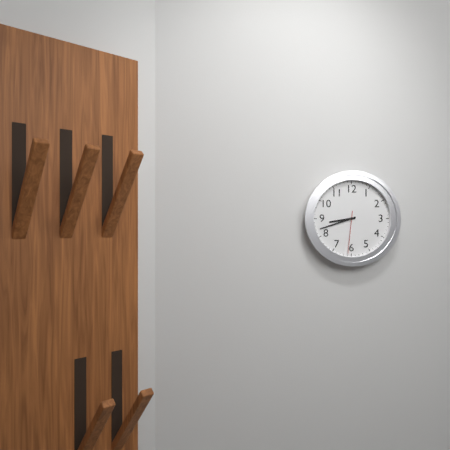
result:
8,42
